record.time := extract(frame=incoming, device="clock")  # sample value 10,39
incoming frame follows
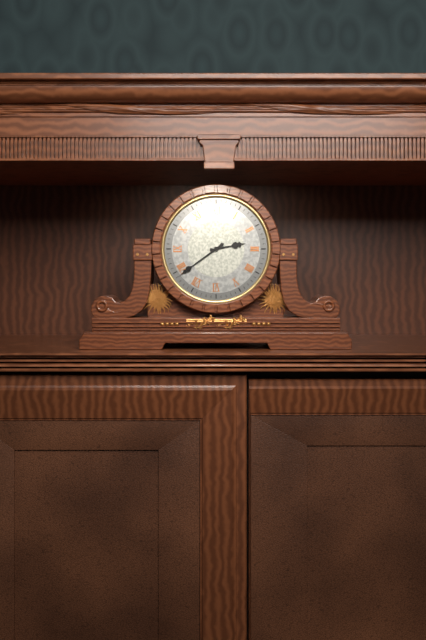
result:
2,39
